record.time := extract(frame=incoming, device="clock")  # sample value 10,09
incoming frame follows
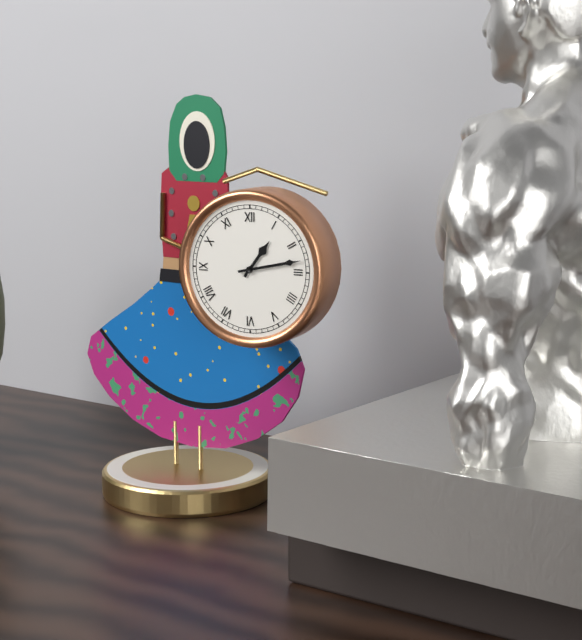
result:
1,13
